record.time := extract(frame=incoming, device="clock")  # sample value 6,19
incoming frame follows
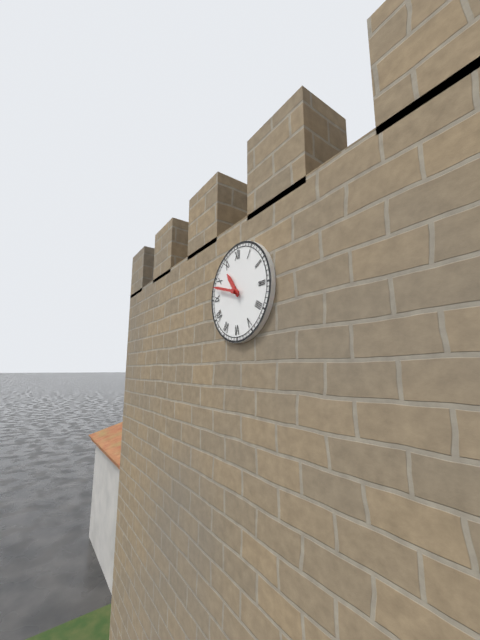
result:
10,48
